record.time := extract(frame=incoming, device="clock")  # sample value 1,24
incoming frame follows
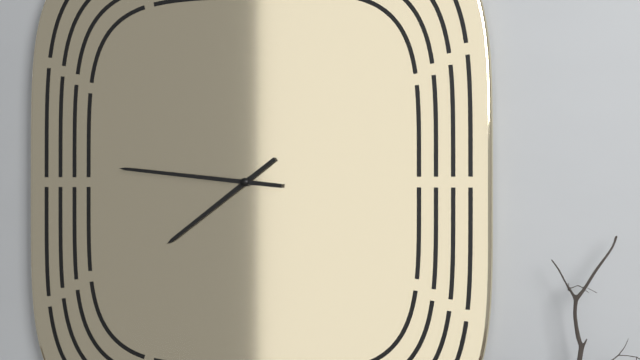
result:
7,46
